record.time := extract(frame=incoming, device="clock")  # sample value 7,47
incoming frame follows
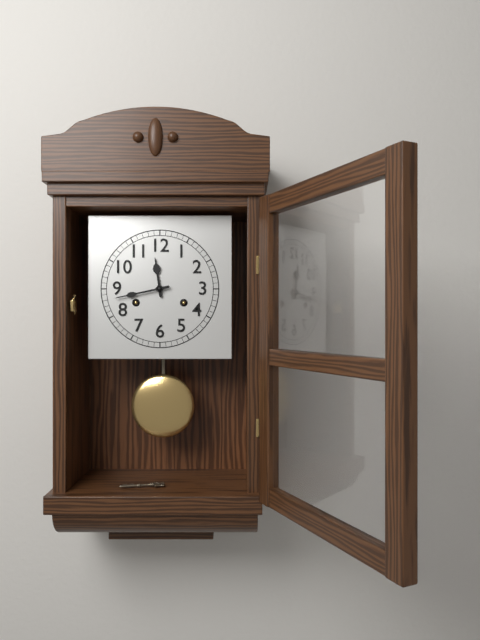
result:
11,43
